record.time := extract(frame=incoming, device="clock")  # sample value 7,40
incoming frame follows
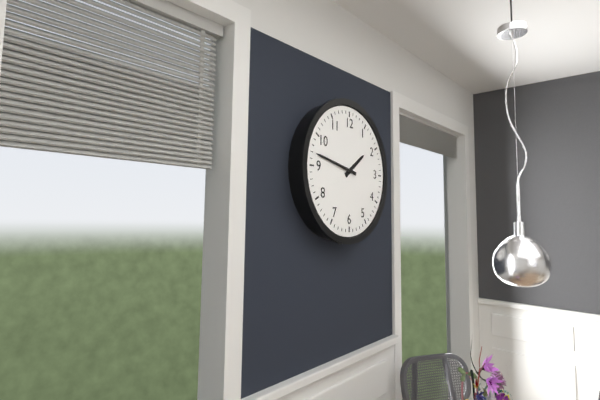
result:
1,47
